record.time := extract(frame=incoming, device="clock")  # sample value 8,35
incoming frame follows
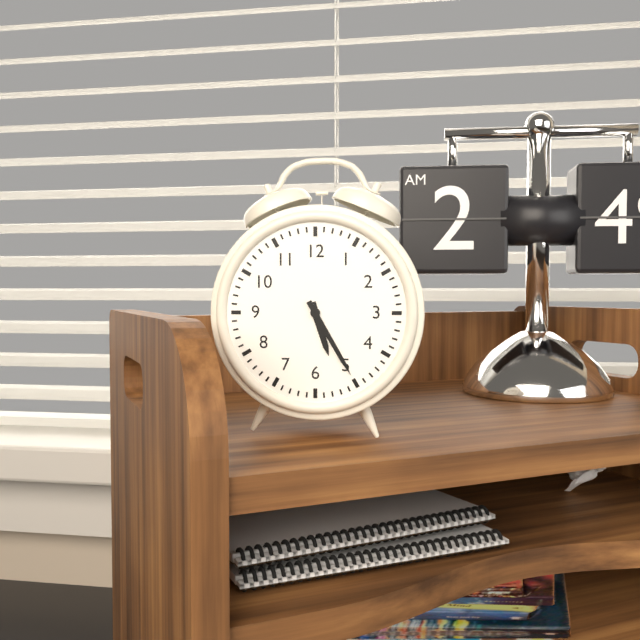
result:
5,25
